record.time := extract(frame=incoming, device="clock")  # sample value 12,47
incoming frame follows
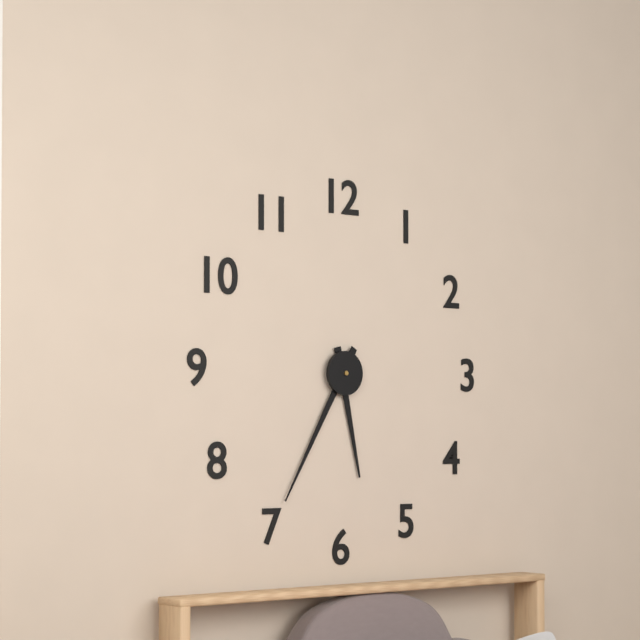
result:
5,35
